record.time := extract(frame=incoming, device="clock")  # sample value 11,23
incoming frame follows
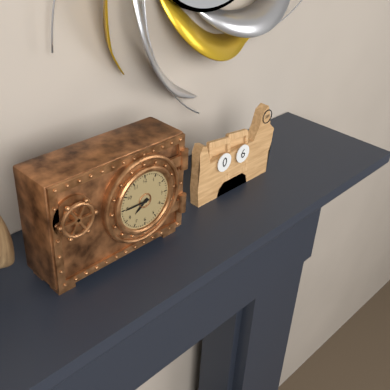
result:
7,45
